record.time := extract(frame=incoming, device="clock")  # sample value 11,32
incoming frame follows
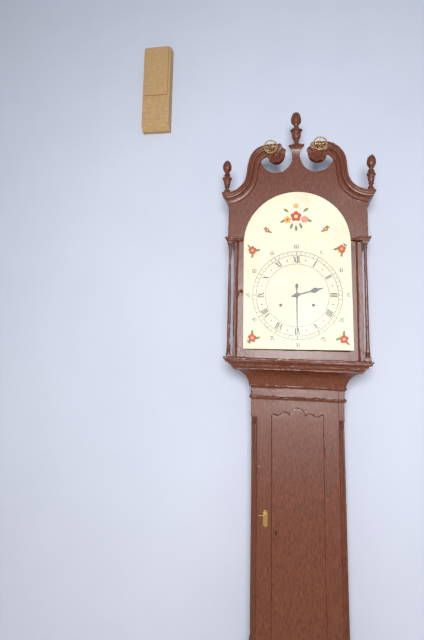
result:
2,30
